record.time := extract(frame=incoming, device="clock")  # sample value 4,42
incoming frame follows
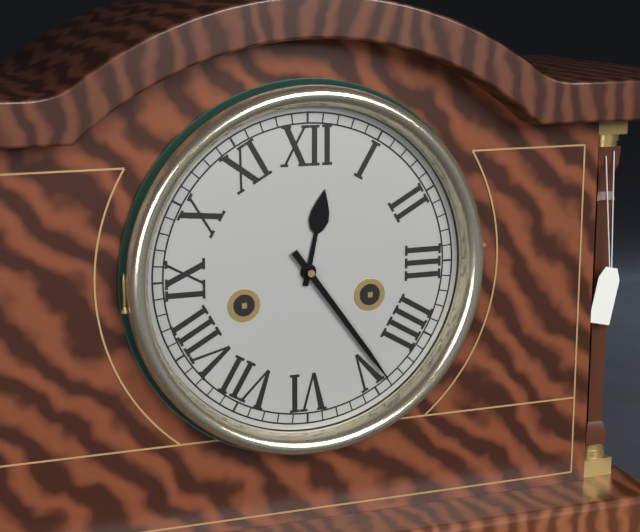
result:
12,24
